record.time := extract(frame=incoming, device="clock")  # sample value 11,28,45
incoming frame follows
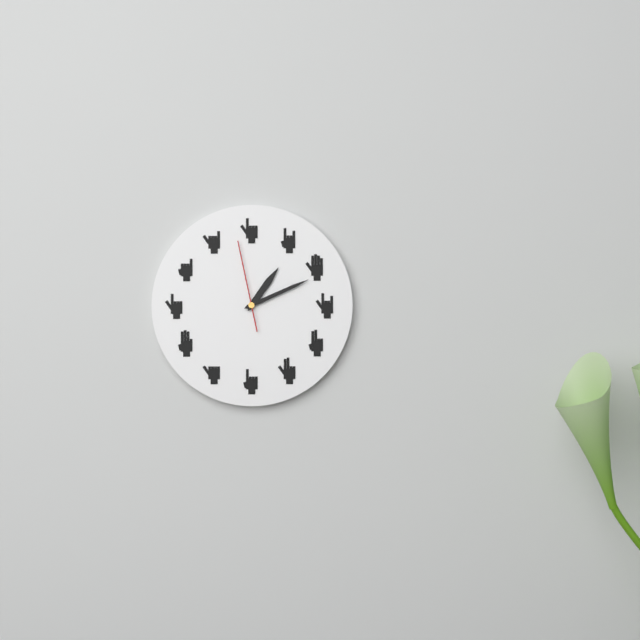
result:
1,11,58
